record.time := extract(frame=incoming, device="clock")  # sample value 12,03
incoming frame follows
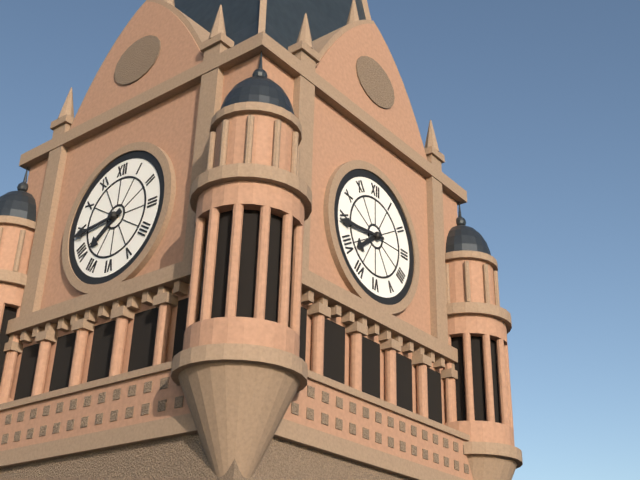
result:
7,44
